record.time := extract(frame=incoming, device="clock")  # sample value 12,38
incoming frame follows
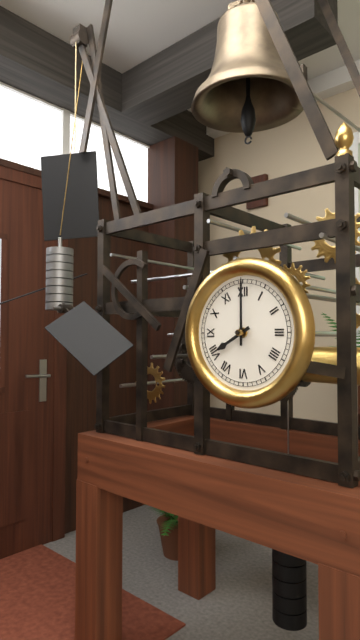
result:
8,00
